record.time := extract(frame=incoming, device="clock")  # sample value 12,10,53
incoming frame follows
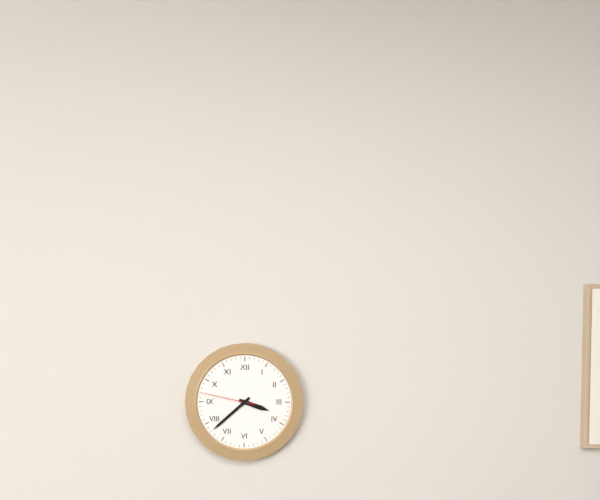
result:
3,38,47
